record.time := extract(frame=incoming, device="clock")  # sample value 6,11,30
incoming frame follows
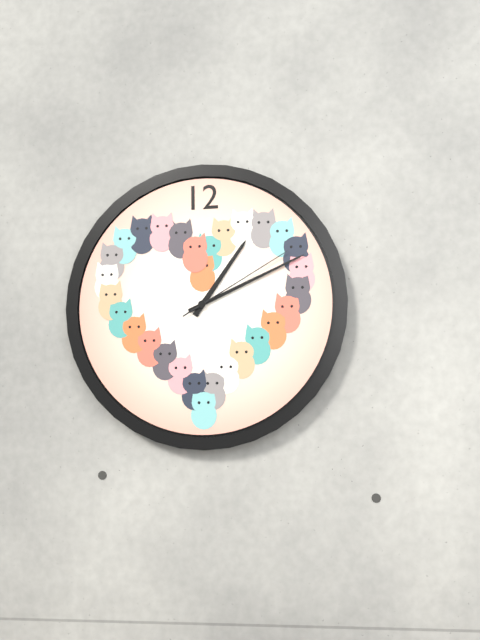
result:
1,11,10
